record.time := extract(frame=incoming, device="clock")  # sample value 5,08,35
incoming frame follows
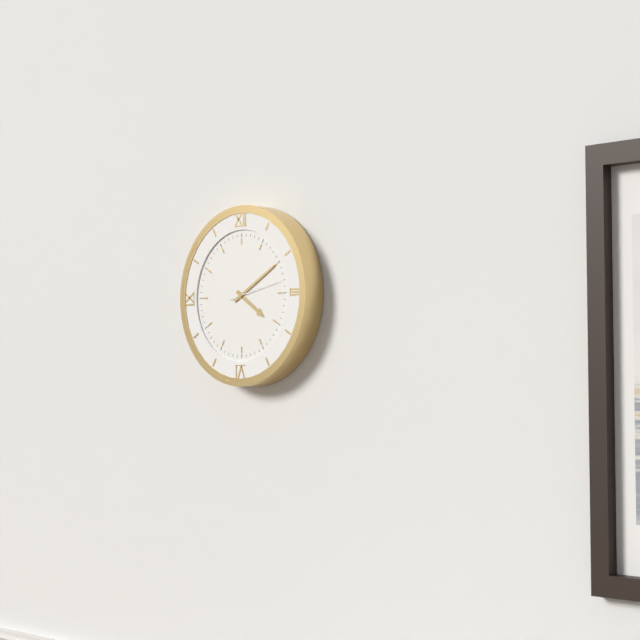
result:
4,10,13
